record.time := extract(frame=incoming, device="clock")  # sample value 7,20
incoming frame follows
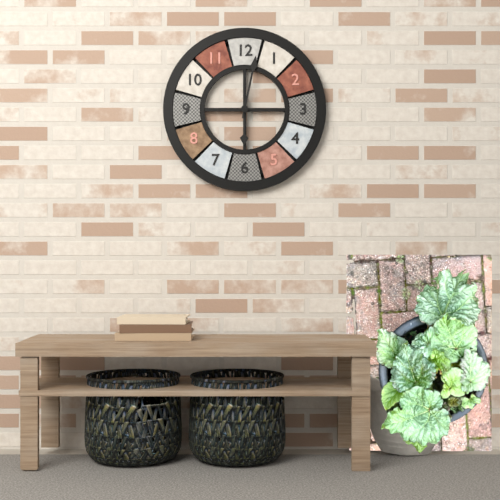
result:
6,02
